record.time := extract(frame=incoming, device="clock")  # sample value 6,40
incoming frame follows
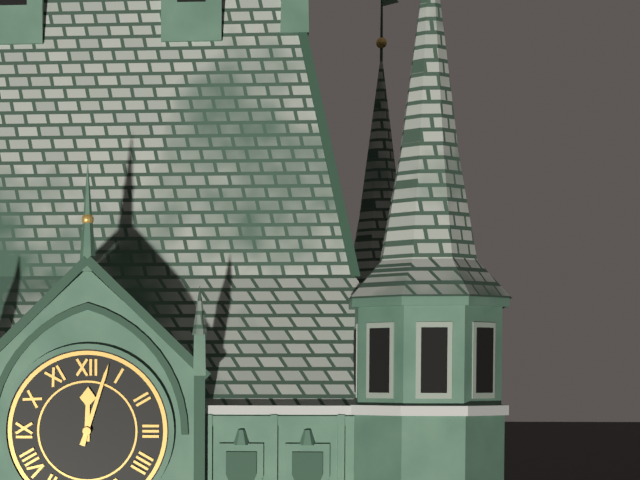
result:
12,03
